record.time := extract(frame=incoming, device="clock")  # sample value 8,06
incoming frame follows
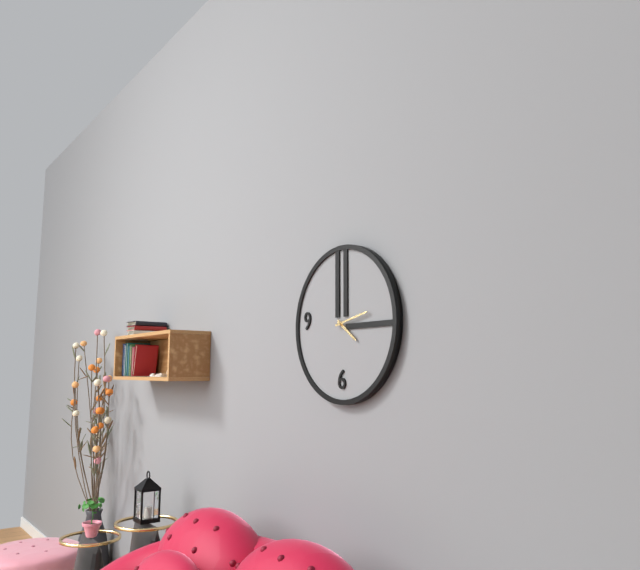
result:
4,13
